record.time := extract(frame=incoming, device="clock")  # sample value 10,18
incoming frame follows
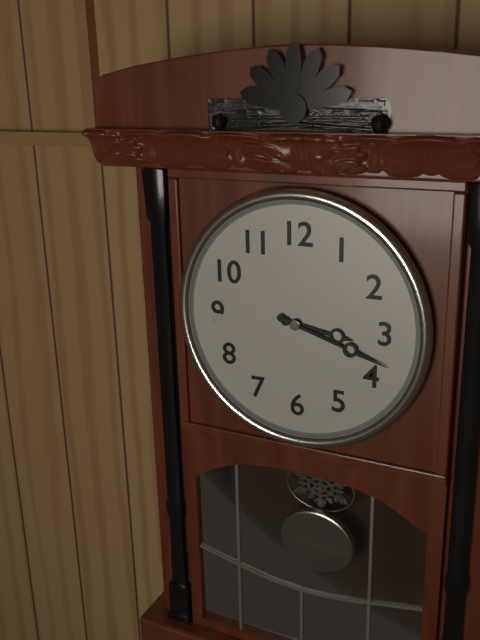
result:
3,18
